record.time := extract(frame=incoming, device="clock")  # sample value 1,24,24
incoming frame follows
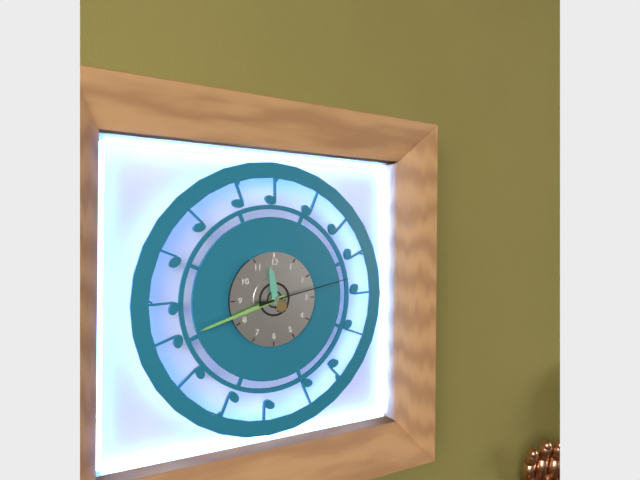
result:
11,42,13
